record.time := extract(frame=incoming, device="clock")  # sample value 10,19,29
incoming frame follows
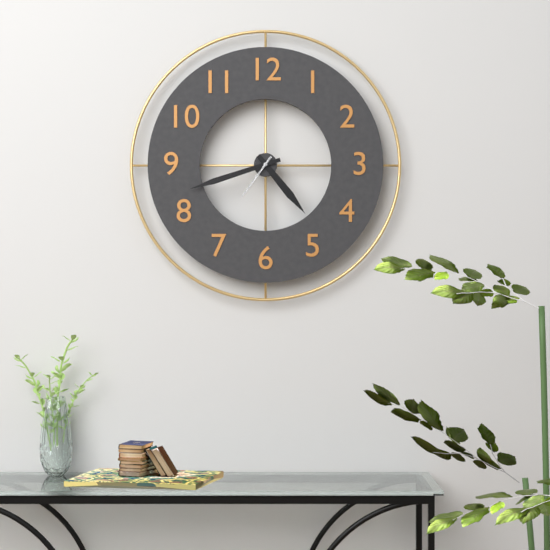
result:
4,42,36
